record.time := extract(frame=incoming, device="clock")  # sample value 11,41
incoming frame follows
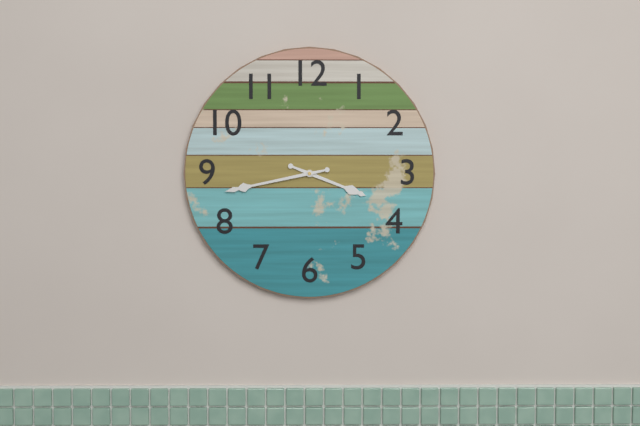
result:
3,43
